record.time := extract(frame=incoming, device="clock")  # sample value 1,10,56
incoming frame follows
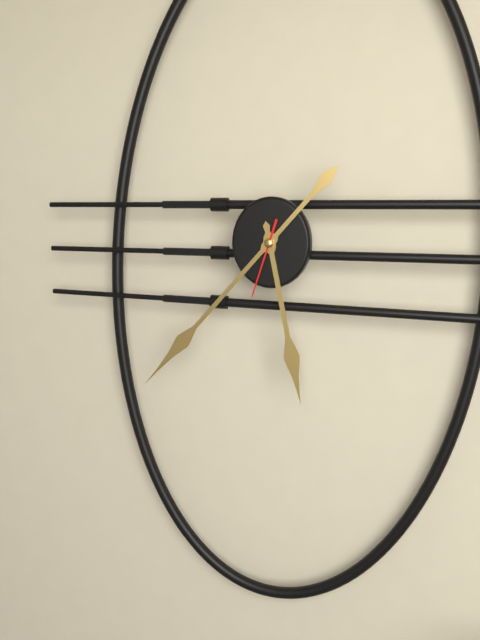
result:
5,37,33
